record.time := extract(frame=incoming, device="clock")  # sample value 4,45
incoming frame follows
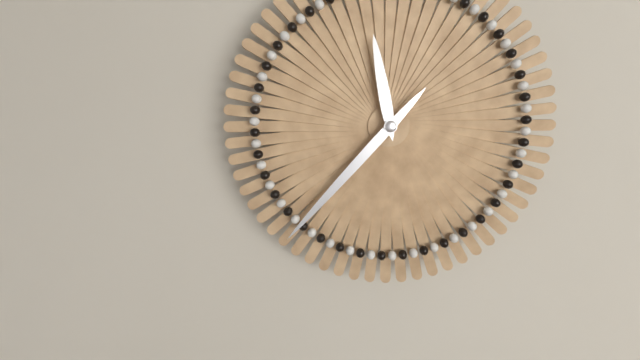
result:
11,37
